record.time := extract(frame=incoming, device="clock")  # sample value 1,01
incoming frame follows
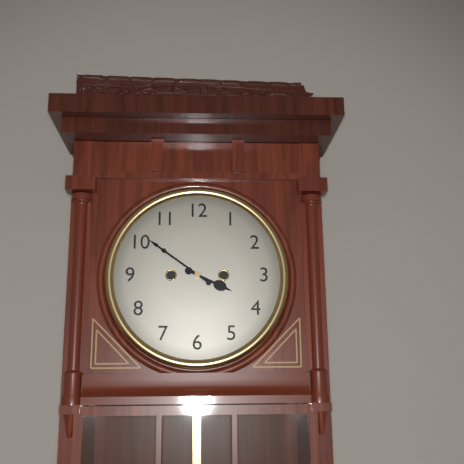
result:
3,51
